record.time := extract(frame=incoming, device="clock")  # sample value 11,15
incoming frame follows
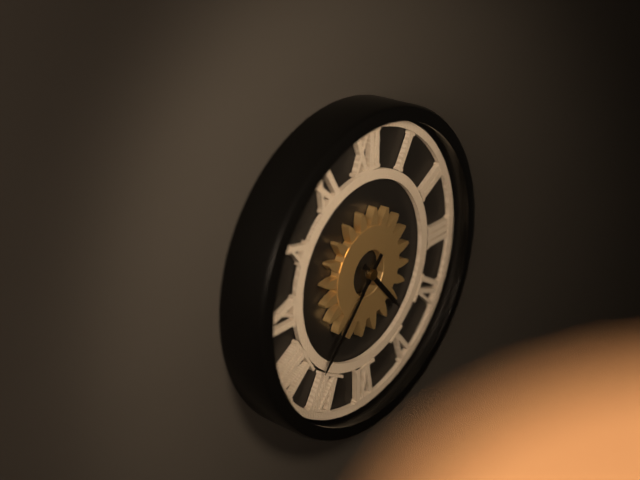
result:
4,37
